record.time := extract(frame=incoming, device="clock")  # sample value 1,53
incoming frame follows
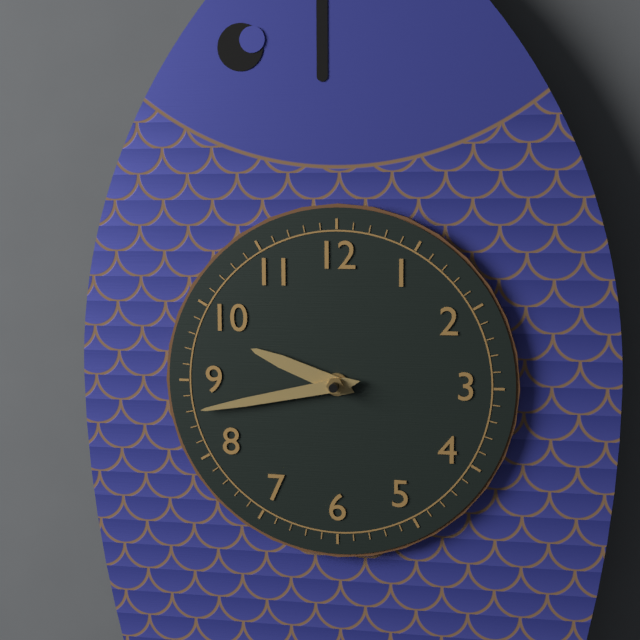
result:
9,43
